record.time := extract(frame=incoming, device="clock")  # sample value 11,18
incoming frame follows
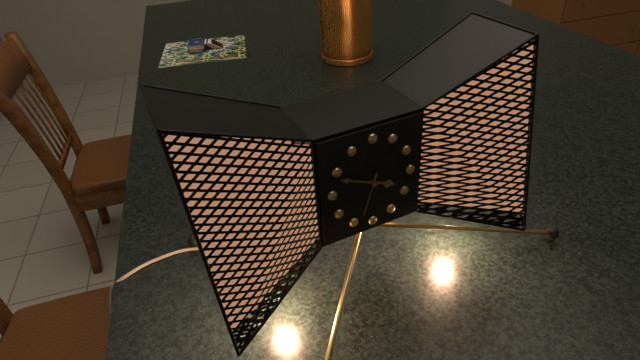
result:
3,49
